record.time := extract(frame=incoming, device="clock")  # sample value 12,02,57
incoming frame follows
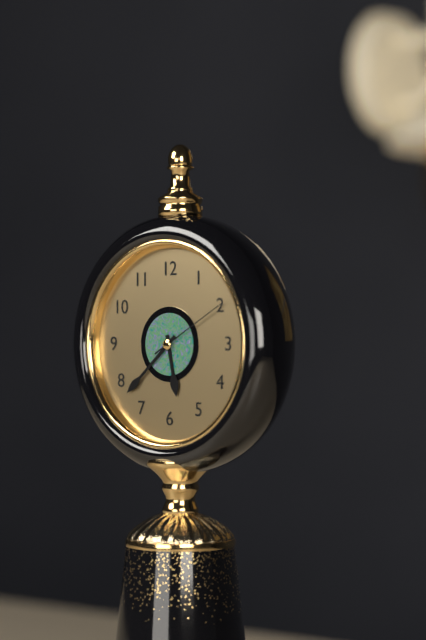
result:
5,38,10
